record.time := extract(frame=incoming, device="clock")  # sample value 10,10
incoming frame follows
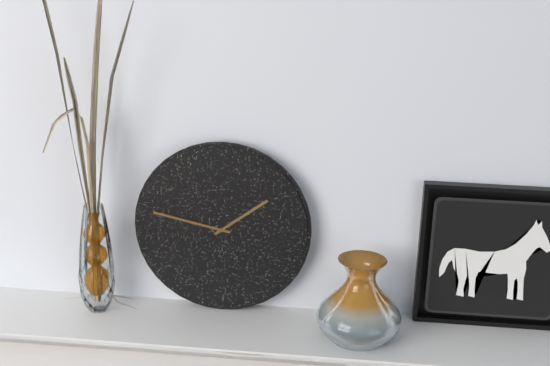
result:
1,47
